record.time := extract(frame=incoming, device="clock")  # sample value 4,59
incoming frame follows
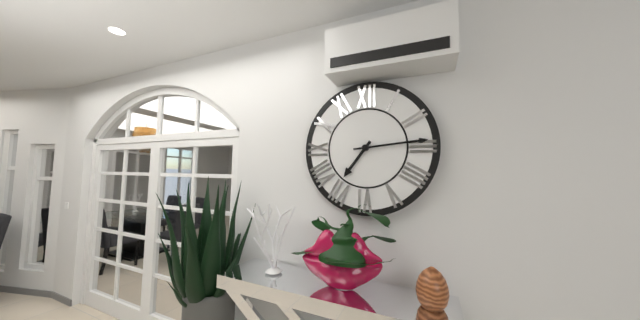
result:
7,14
